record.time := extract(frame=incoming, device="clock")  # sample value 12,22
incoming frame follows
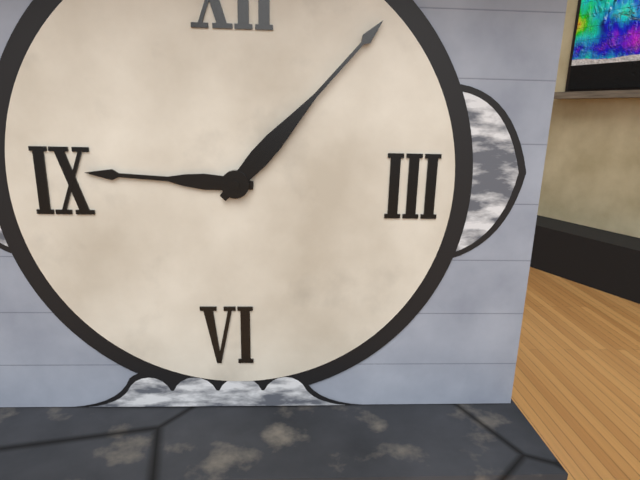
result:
9,07
